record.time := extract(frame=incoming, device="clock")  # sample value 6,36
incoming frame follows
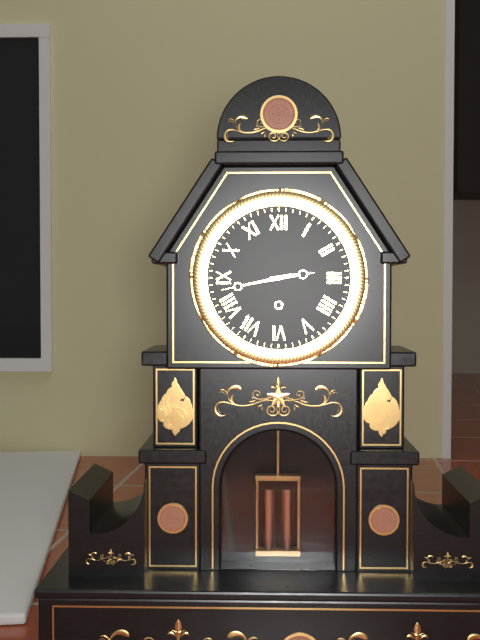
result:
2,43
